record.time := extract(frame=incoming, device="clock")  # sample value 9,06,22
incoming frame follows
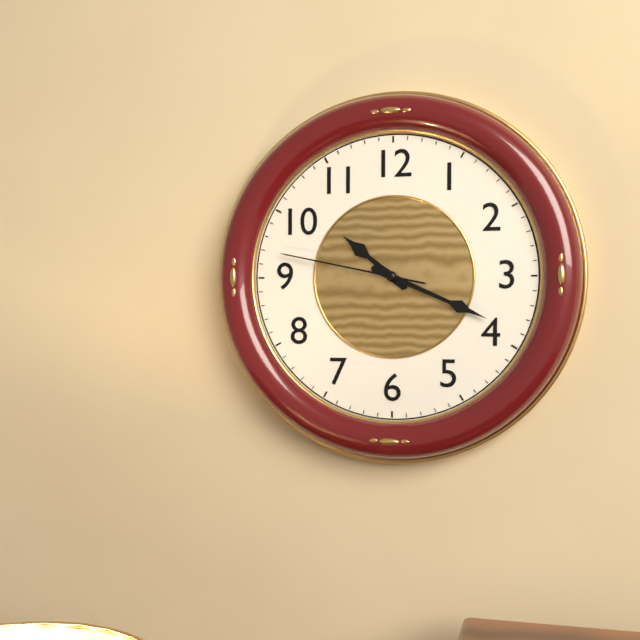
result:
10,19,47
